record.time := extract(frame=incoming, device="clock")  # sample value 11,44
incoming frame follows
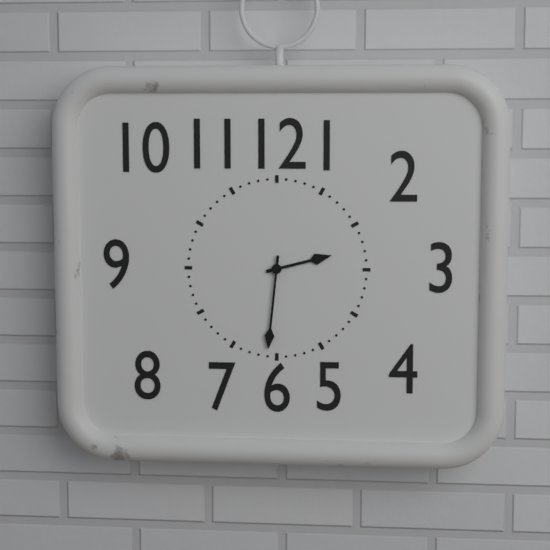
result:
2,31
